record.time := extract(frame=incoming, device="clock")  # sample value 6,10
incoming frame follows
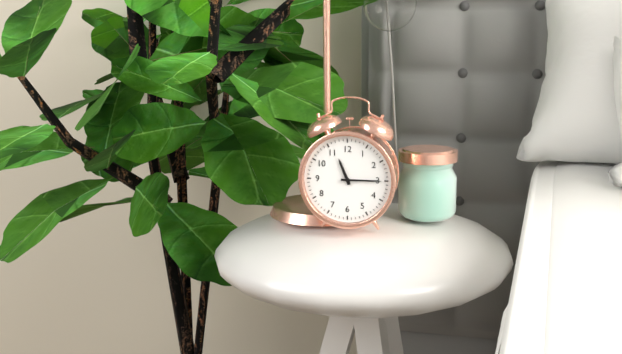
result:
11,15
